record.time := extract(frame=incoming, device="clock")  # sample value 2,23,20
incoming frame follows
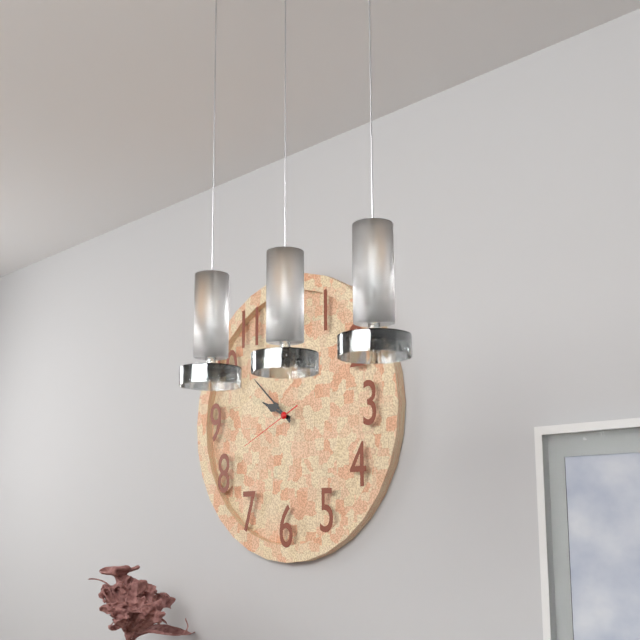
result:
9,52,41
